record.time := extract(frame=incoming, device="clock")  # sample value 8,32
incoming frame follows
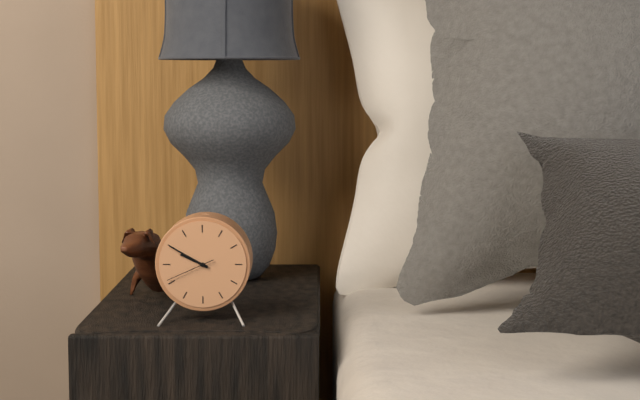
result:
9,50
